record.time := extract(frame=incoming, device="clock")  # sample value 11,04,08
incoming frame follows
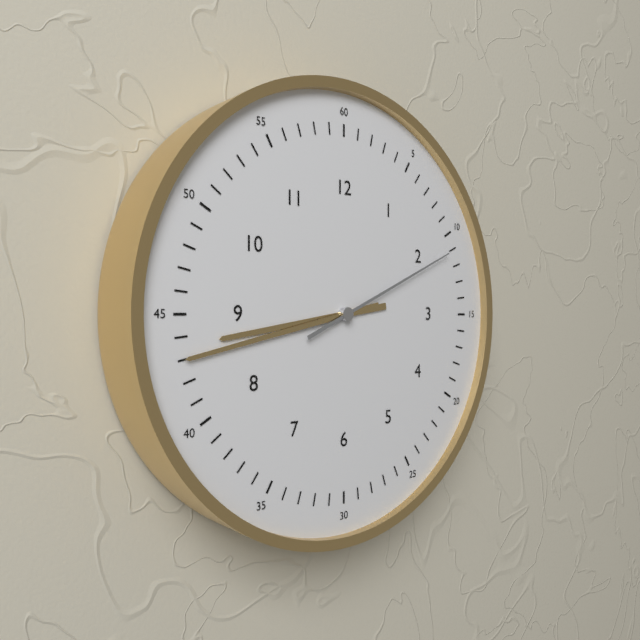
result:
8,43,11
